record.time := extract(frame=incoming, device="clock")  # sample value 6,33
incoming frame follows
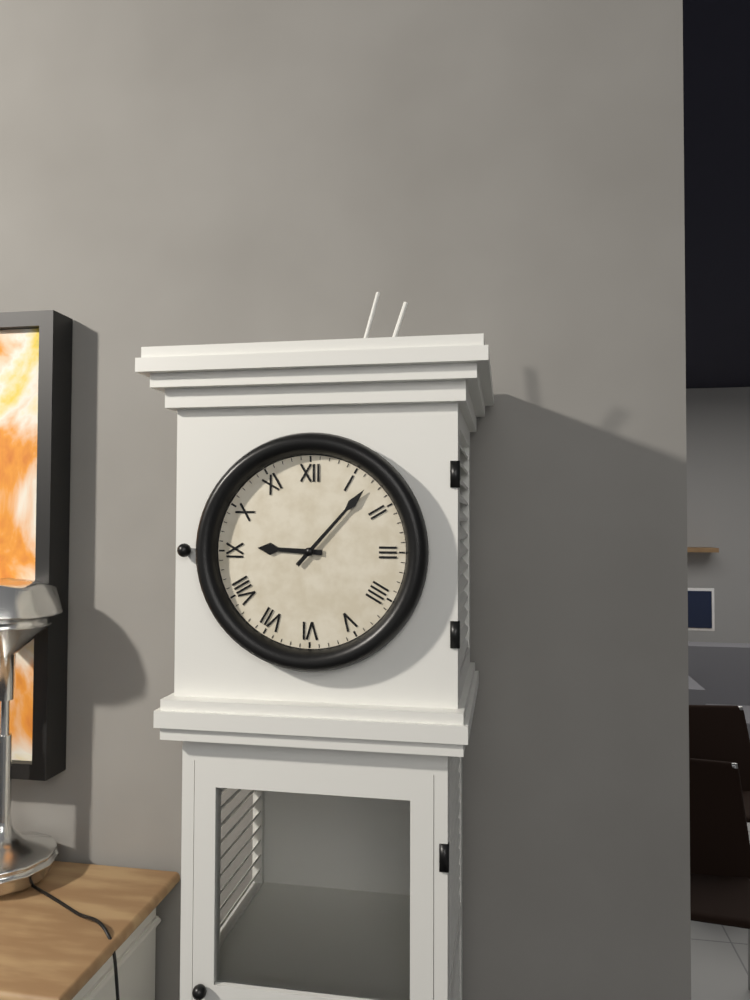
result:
9,07
